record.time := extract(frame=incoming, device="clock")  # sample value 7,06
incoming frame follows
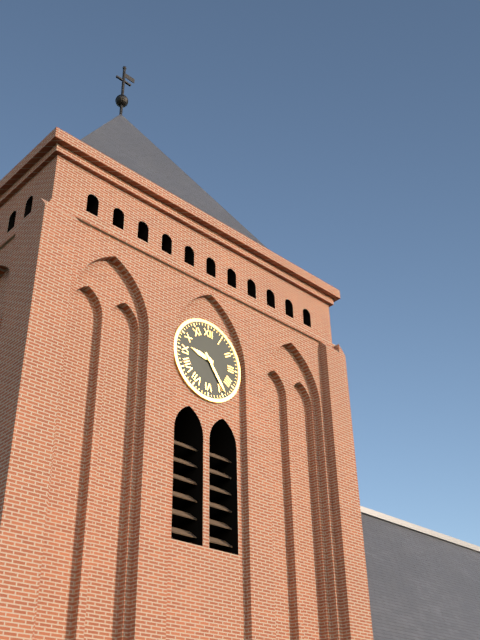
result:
9,24
